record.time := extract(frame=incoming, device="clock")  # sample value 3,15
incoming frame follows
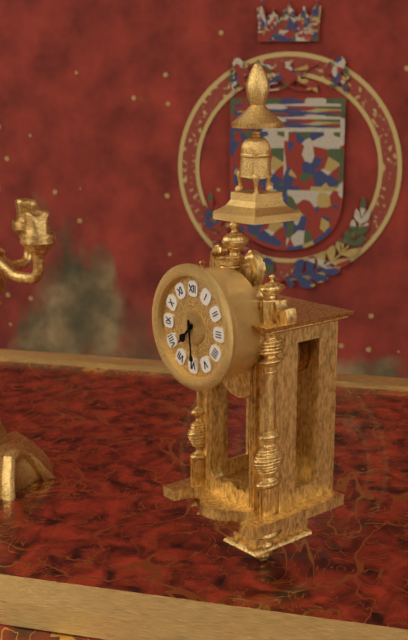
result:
7,29
